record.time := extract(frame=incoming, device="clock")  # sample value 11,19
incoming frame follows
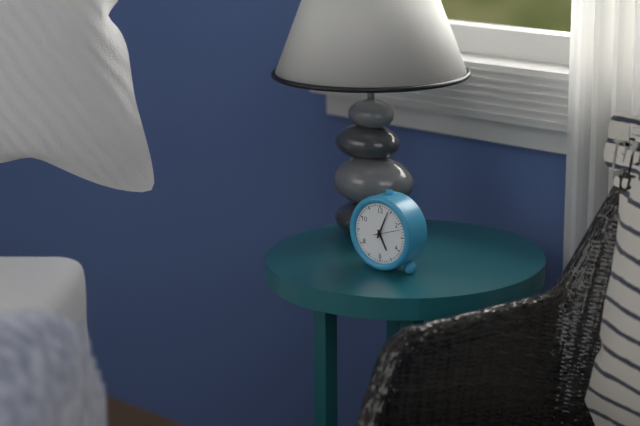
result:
5,04
